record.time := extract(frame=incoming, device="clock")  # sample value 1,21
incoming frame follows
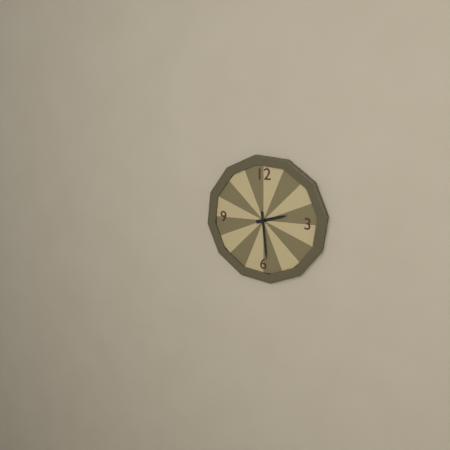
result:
2,29
